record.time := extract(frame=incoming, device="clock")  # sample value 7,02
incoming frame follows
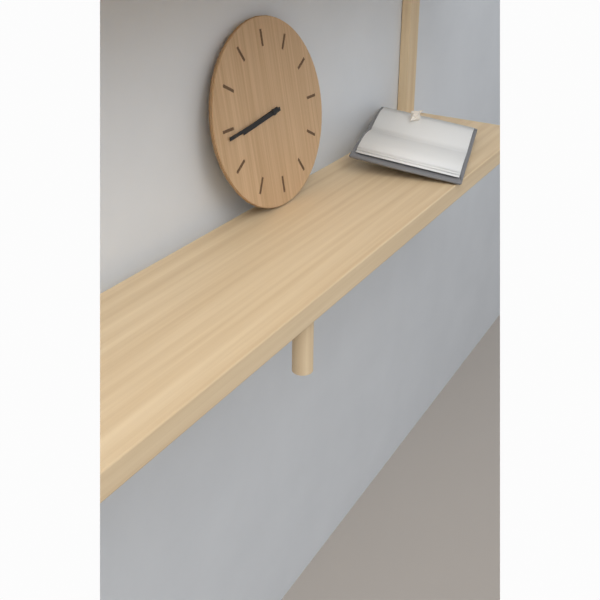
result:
8,44
